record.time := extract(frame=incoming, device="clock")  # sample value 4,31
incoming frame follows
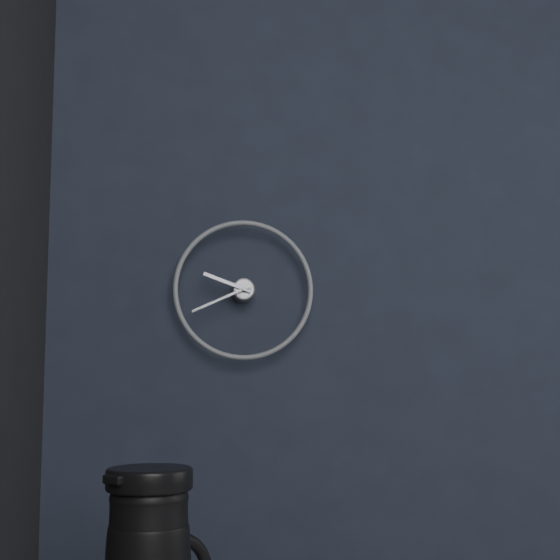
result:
9,41
